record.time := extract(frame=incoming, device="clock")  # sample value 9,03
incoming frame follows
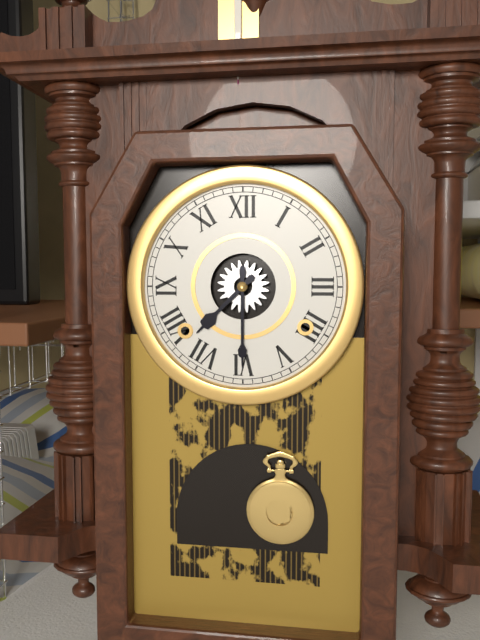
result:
7,30
